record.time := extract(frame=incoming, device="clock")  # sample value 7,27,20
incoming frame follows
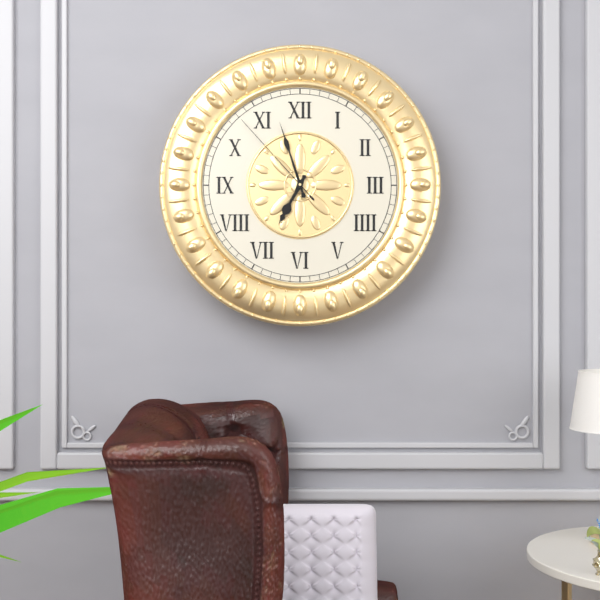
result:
6,57,53
